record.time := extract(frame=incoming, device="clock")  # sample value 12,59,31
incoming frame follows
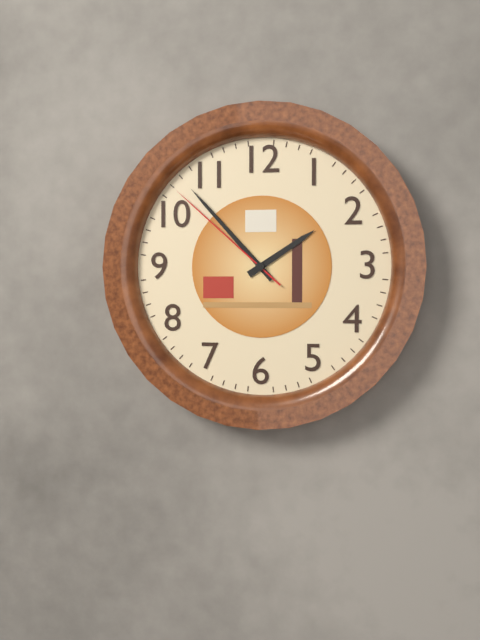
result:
1,53,52
